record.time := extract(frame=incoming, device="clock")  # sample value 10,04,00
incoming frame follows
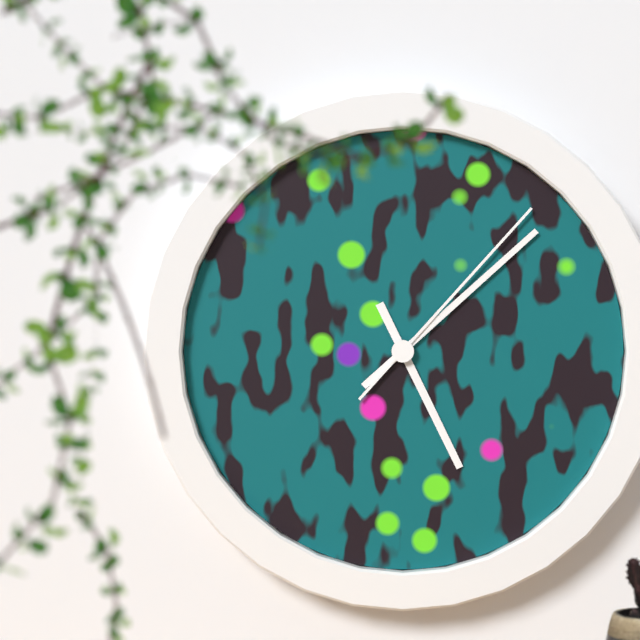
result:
5,08,07
